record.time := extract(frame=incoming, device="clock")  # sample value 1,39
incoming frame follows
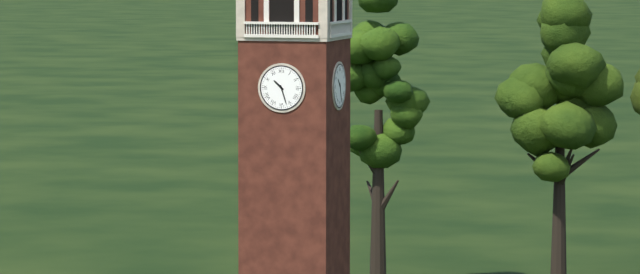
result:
10,27
